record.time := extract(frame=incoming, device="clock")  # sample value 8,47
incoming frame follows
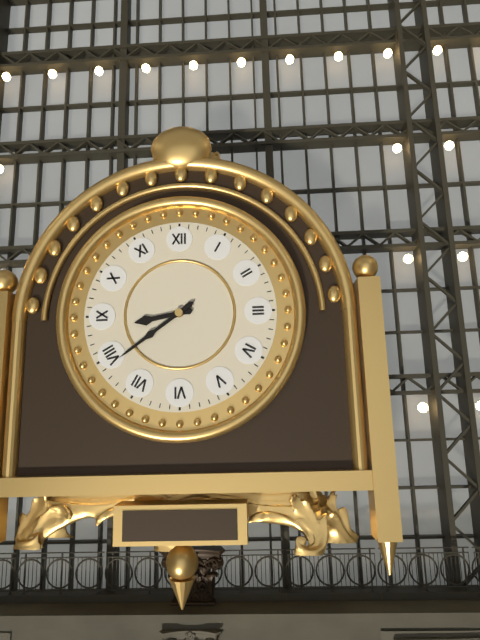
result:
8,39
